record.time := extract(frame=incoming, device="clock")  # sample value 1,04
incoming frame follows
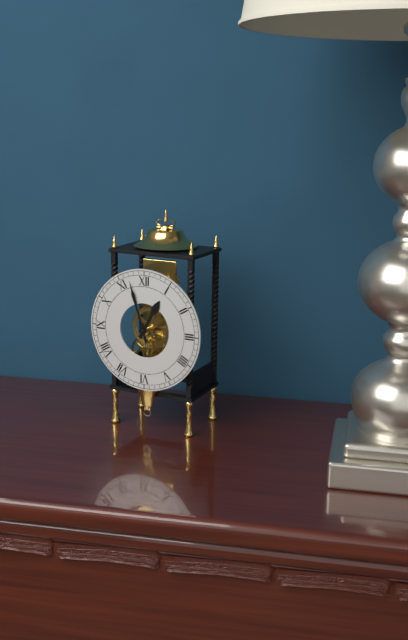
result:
12,57
